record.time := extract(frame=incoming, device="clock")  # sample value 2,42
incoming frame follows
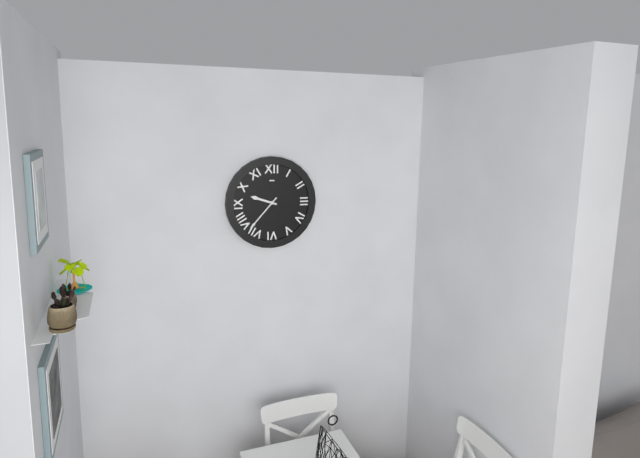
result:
9,37
